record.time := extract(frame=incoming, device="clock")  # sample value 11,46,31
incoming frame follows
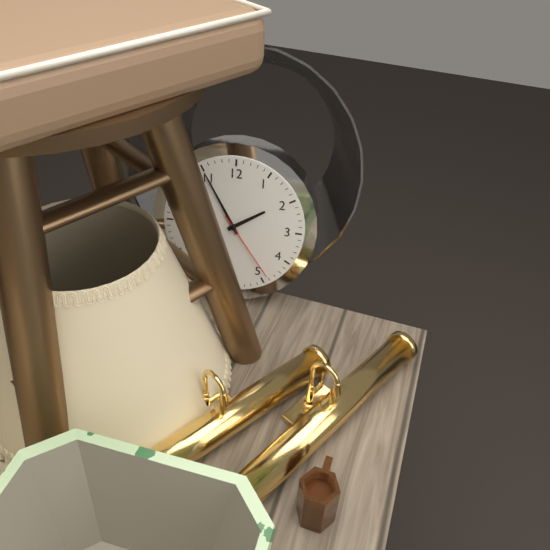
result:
1,55,24
